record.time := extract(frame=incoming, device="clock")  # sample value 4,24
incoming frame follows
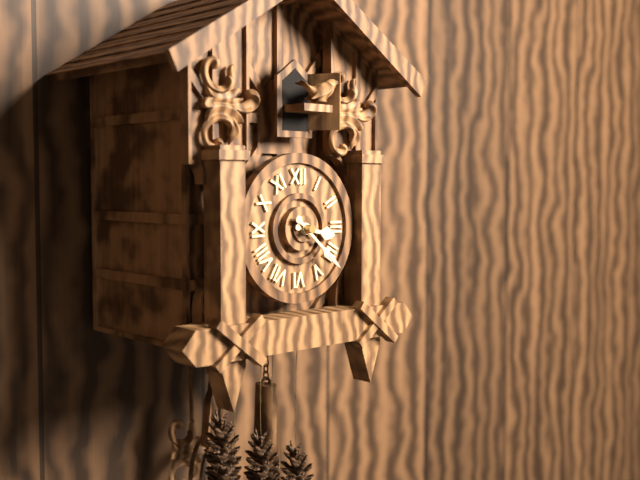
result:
3,22
